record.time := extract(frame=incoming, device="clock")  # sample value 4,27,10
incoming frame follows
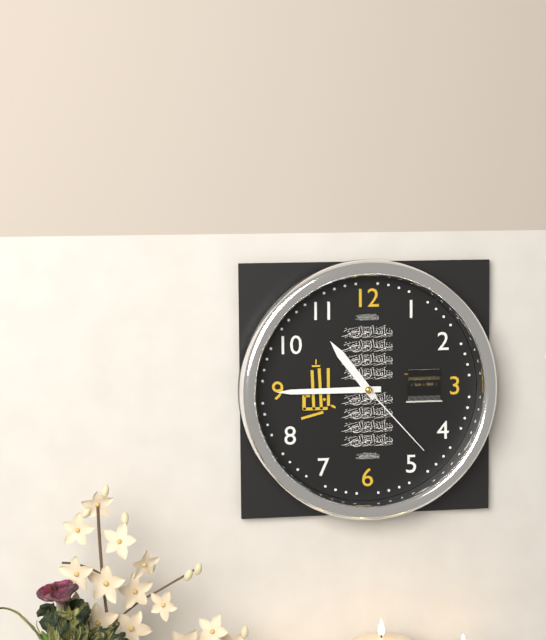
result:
10,45,23
